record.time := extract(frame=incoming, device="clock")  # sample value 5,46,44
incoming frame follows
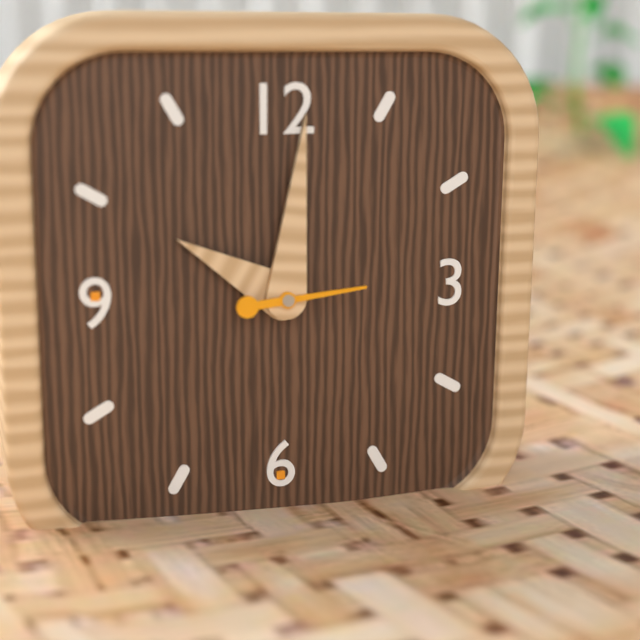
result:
10,01,14
